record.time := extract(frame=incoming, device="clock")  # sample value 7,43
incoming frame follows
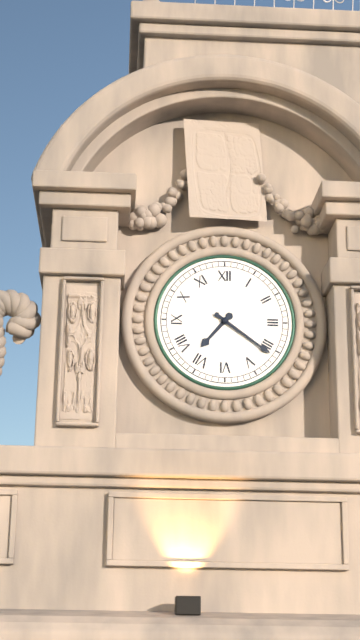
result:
7,21
